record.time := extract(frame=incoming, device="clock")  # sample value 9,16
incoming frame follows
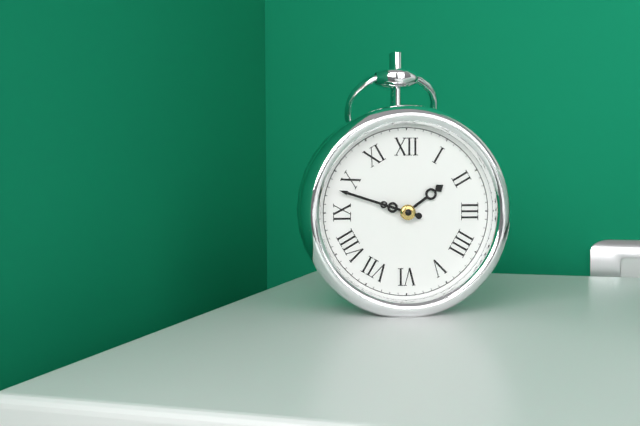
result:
1,48
